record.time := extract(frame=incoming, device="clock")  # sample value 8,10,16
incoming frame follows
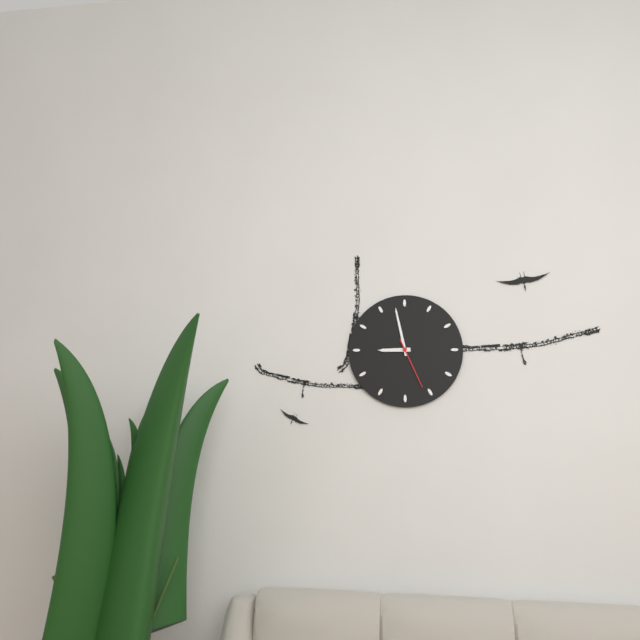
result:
8,58,26
